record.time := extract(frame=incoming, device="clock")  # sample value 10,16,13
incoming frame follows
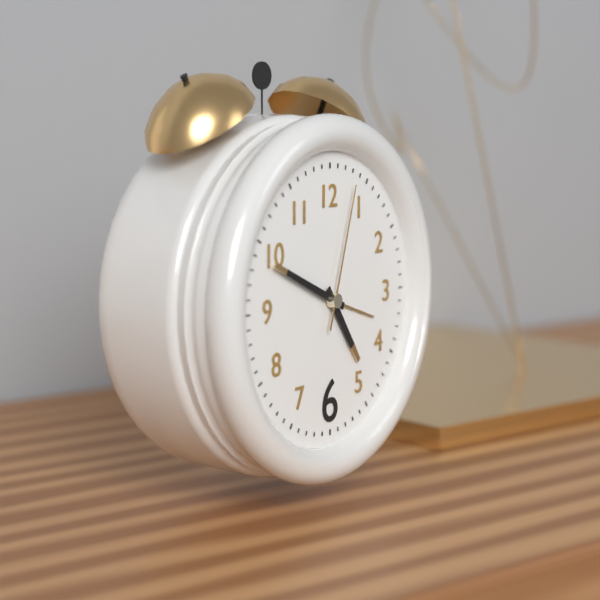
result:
4,49,03
